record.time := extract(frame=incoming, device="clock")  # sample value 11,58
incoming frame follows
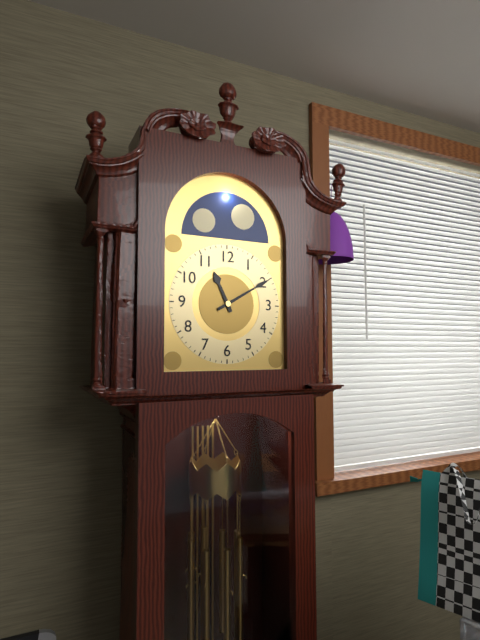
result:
11,10
